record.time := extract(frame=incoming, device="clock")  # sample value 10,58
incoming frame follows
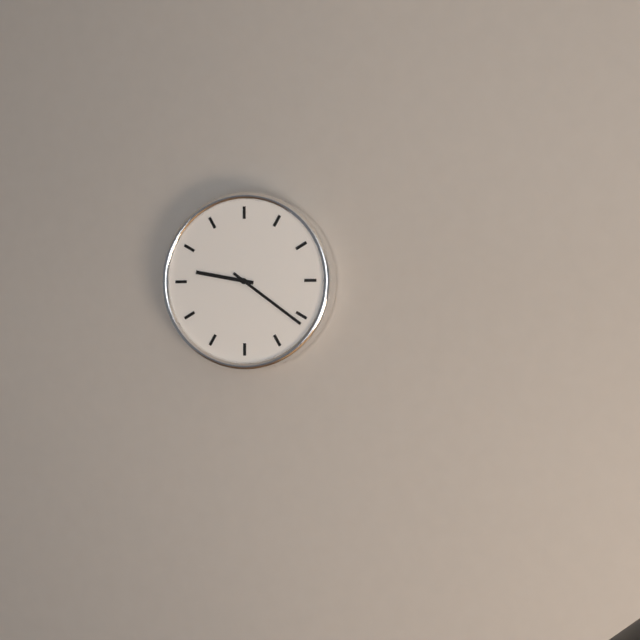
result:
9,21
